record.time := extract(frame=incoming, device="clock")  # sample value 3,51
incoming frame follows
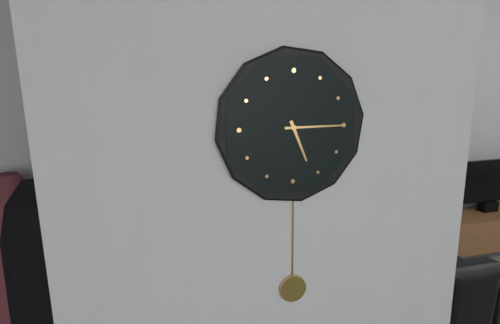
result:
5,15
